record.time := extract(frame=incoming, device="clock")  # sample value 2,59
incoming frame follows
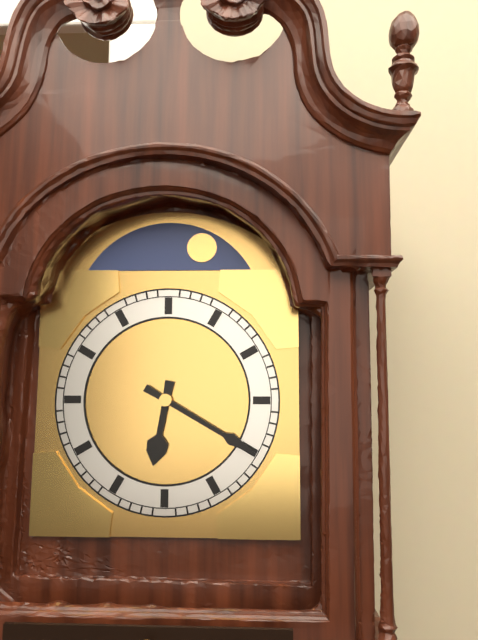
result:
6,20
